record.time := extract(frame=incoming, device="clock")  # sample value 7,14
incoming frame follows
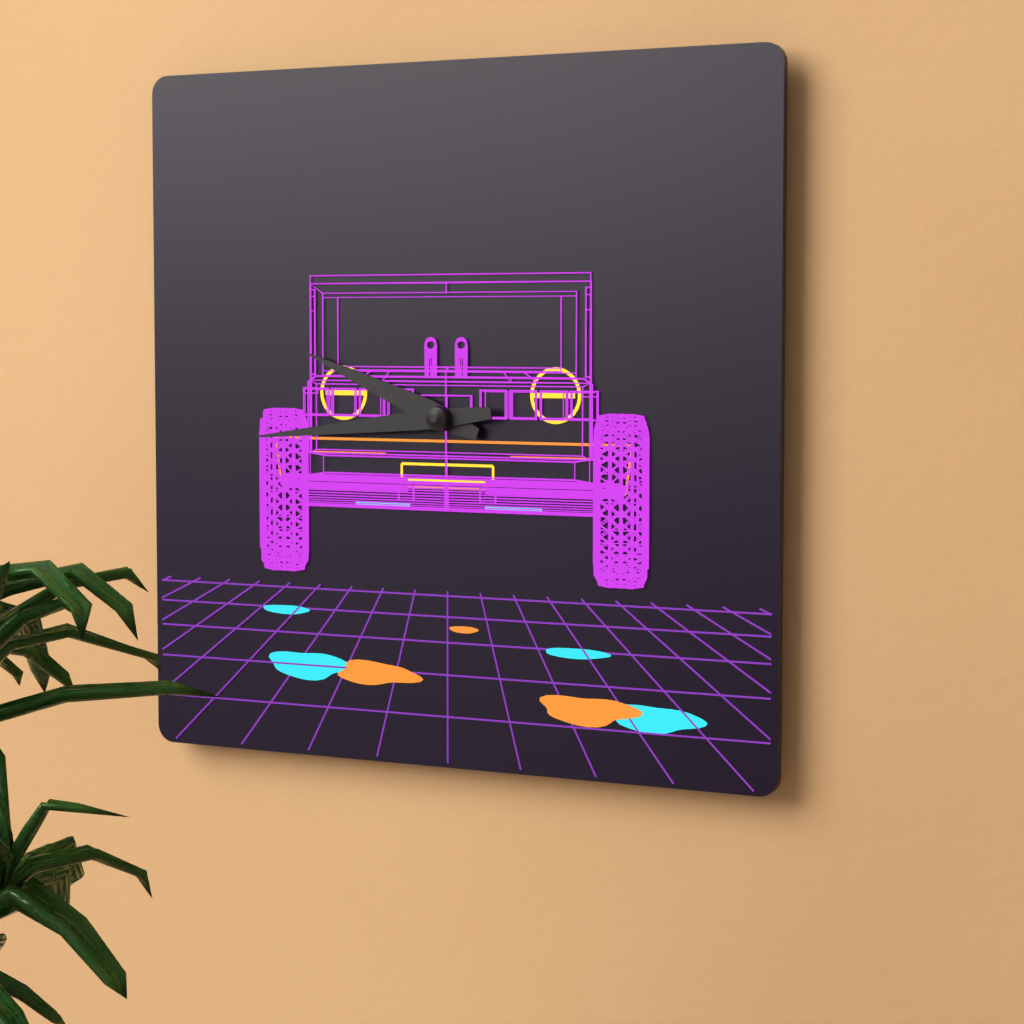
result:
9,44
